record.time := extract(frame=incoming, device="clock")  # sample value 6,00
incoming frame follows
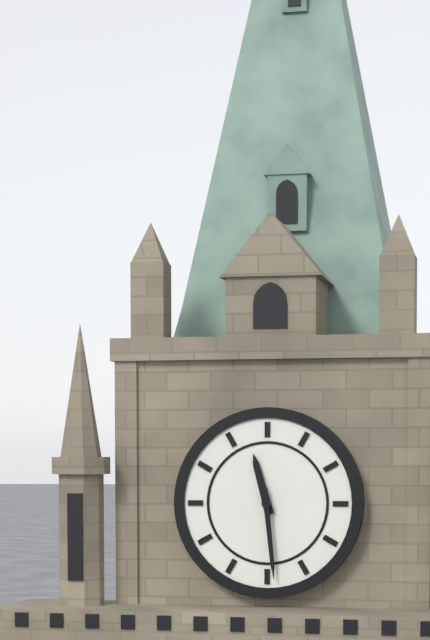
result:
11,29
